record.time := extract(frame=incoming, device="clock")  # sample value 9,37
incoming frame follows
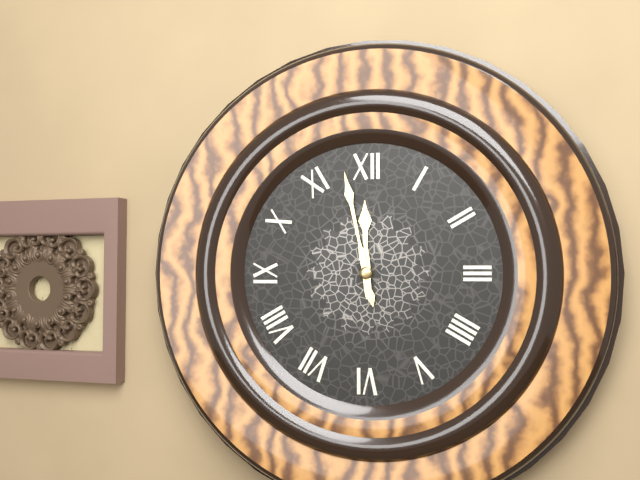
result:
11,58
